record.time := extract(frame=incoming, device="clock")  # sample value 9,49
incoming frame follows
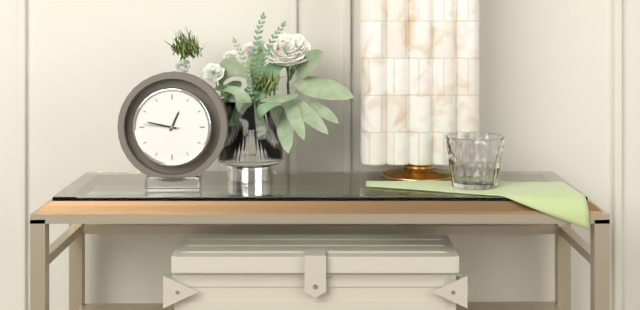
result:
12,47
